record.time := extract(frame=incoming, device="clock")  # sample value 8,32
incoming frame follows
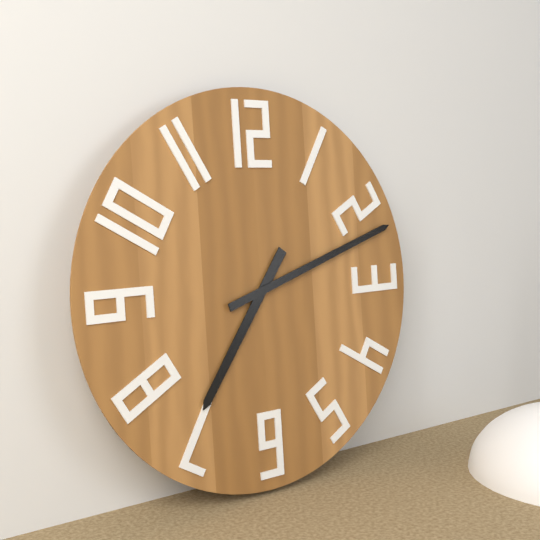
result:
7,12
